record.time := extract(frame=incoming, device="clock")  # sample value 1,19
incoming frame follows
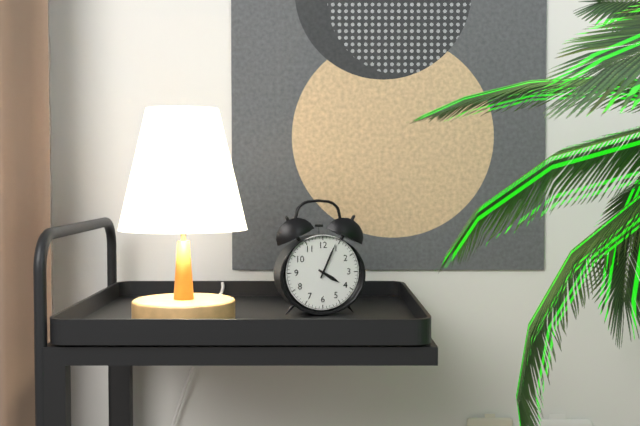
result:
4,04
